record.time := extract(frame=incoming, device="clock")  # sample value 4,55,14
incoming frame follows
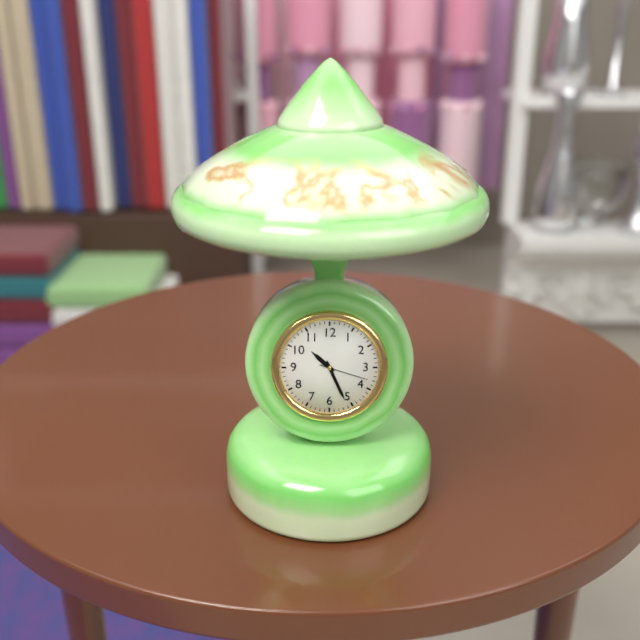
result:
10,26,18
